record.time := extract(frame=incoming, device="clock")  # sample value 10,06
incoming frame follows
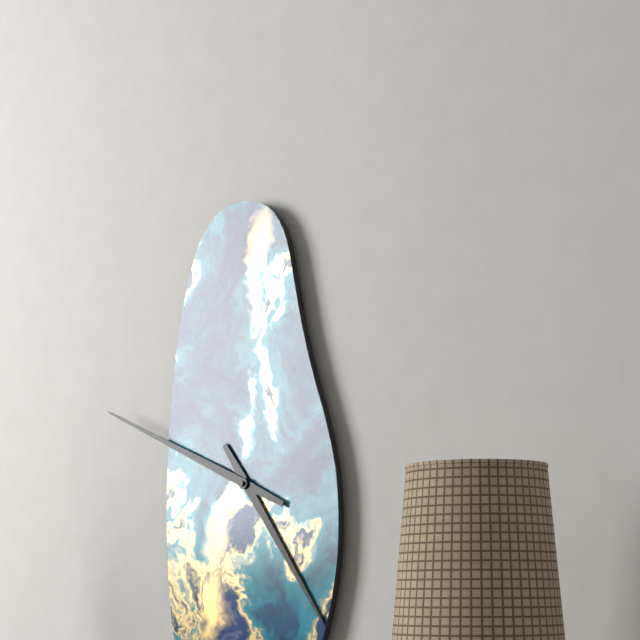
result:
4,49
